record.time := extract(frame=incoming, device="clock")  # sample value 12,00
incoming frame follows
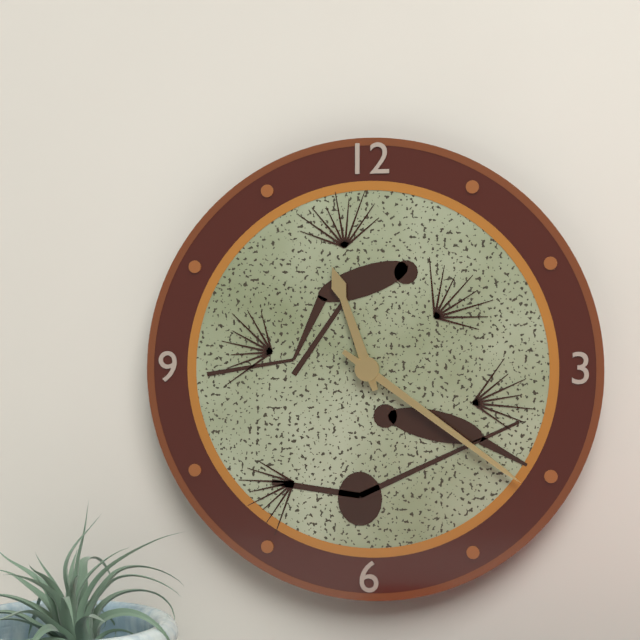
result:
11,21
